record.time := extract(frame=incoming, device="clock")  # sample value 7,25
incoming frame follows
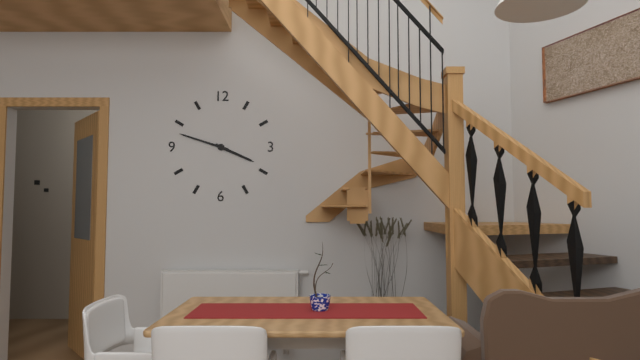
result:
3,48
